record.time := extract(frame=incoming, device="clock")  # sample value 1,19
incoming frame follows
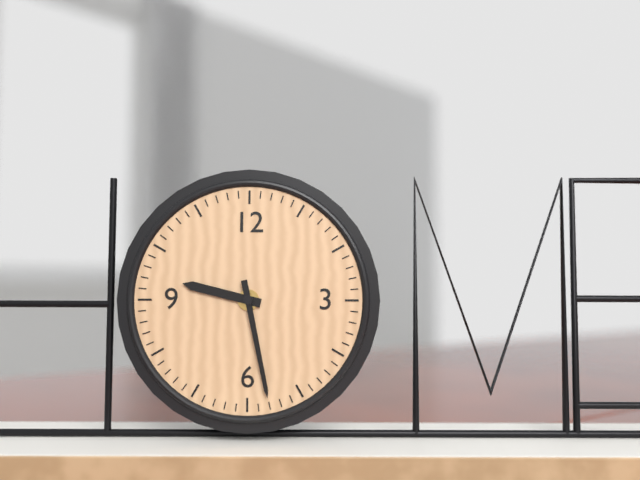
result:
9,28
